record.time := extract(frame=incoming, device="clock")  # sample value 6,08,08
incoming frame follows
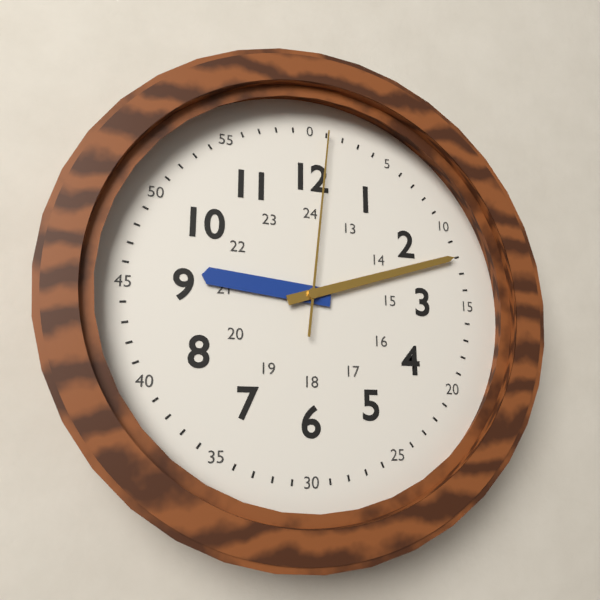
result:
9,12,01
